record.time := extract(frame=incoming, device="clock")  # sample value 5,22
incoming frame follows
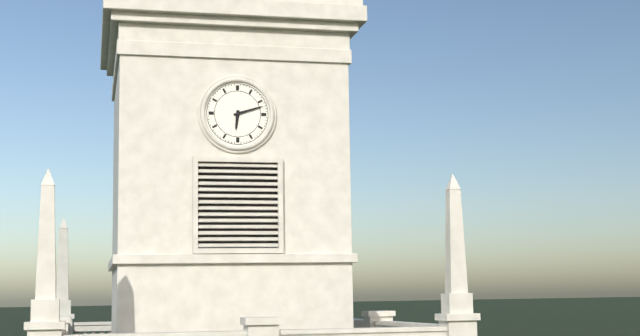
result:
6,12
